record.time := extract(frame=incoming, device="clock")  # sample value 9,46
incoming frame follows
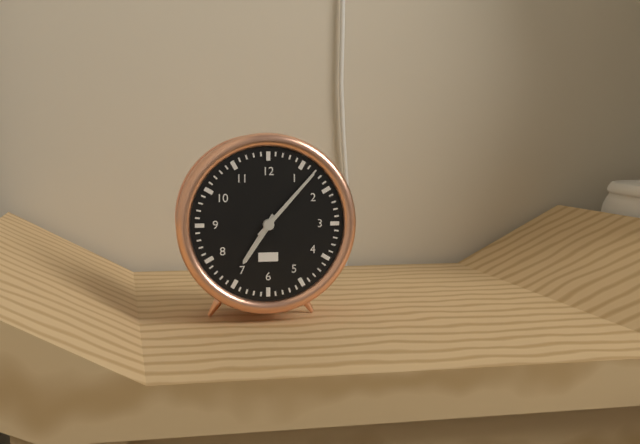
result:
7,07
